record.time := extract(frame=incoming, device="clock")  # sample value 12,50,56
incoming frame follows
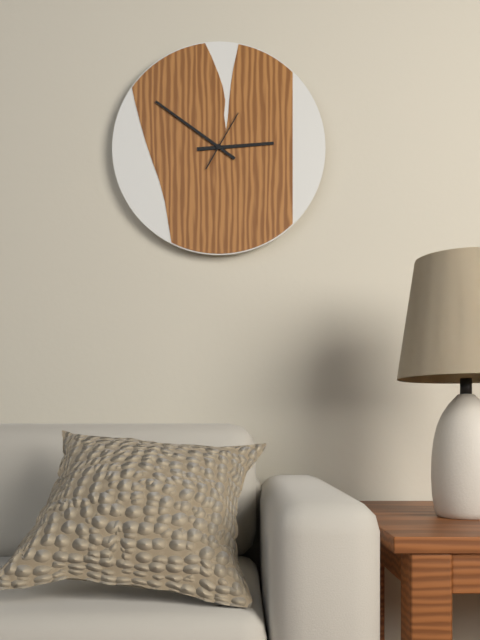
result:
2,51,05
